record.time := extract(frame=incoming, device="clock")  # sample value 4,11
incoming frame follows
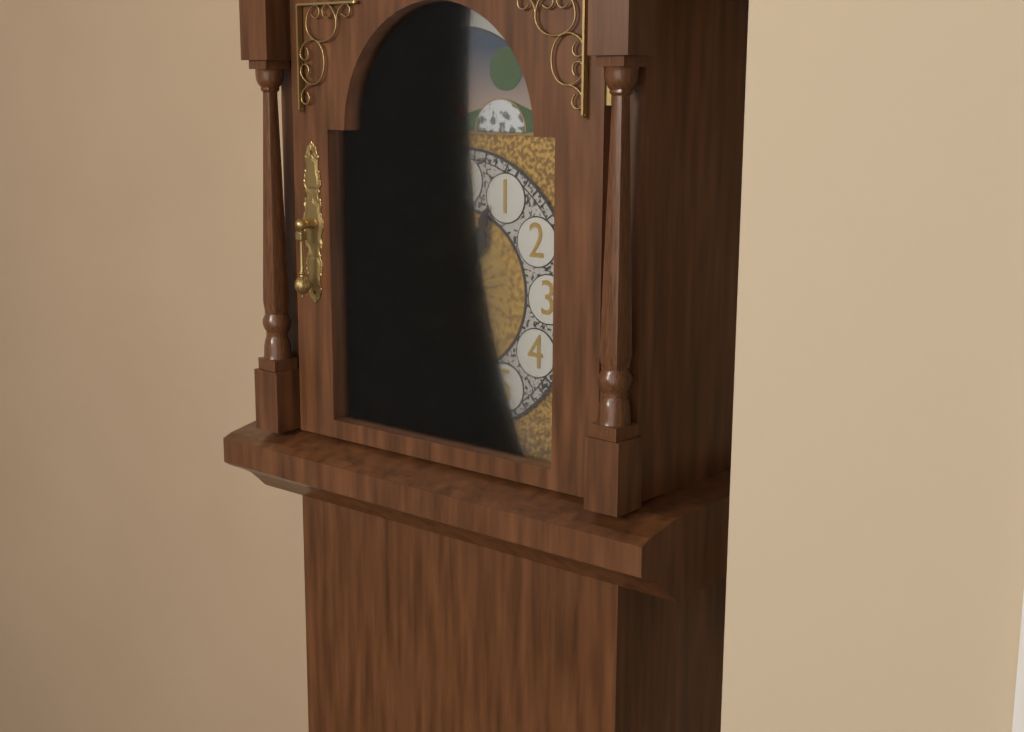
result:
12,45
